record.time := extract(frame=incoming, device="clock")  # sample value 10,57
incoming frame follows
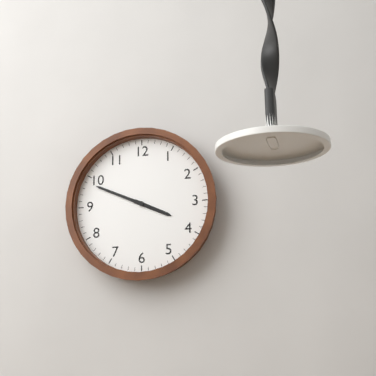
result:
3,49
